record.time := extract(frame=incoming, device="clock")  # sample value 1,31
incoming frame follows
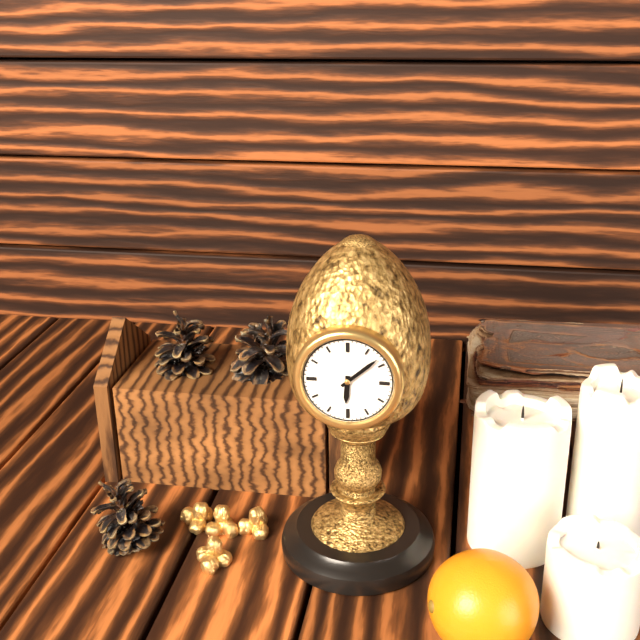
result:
6,08
